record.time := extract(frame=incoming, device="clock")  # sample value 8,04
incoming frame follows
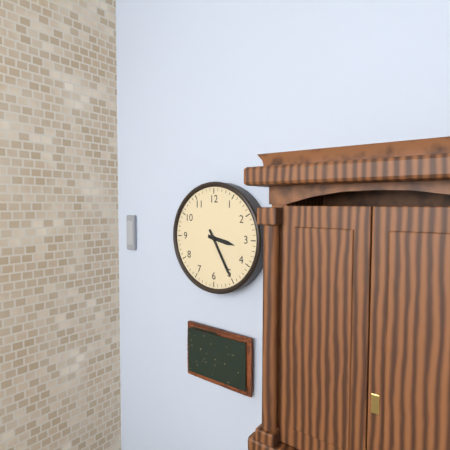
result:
3,25
